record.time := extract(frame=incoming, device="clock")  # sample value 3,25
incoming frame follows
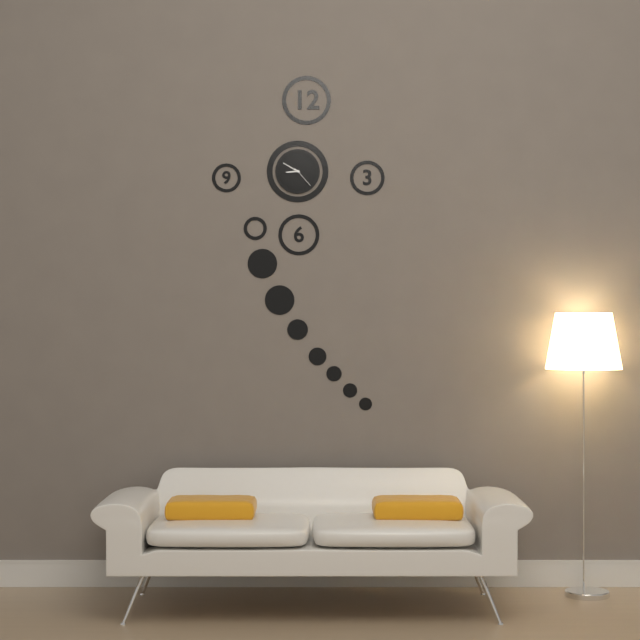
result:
8,50
